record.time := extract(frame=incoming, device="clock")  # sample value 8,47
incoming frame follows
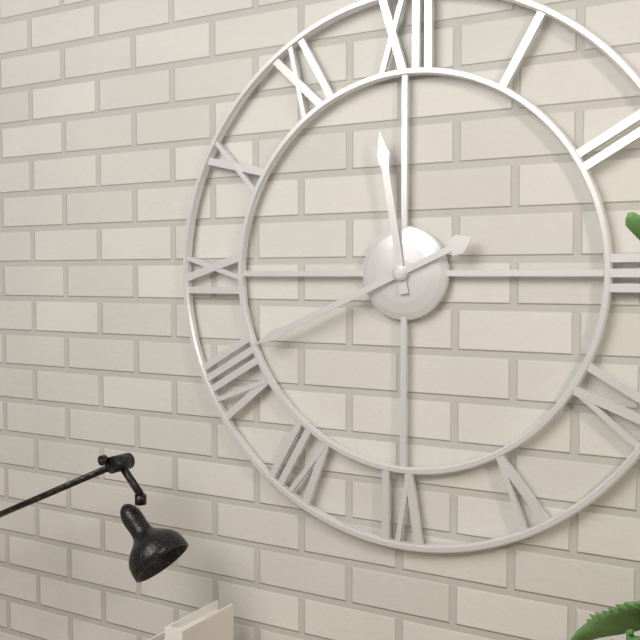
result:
11,41
